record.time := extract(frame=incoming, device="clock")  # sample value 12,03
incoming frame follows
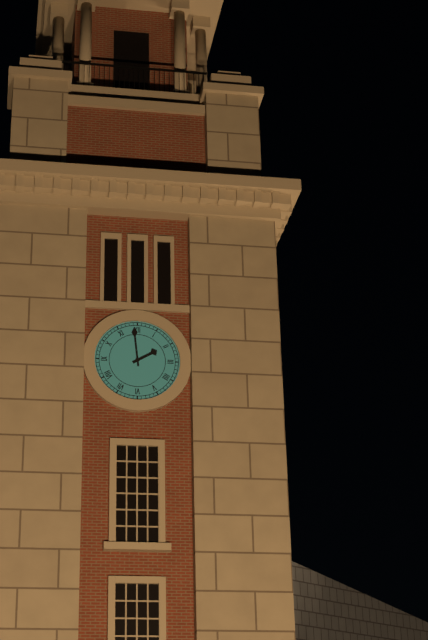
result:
1,59
